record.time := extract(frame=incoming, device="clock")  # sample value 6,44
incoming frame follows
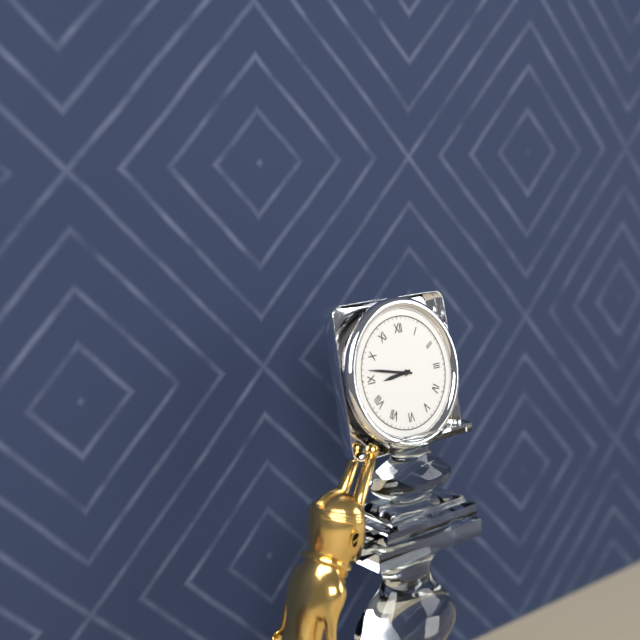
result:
8,47
